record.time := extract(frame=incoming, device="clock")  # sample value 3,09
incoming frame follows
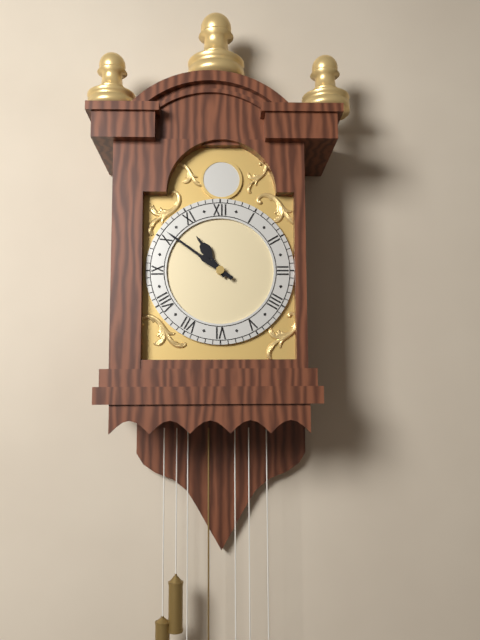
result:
10,51
